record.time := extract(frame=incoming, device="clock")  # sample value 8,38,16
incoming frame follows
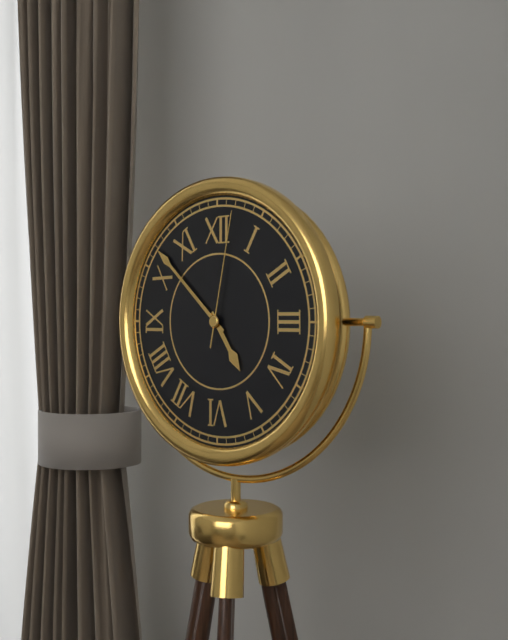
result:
4,52,02
